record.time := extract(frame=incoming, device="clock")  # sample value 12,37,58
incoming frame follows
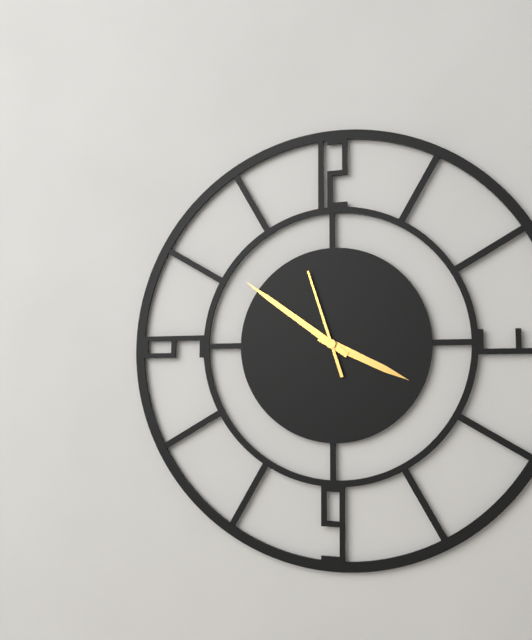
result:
3,51,57
